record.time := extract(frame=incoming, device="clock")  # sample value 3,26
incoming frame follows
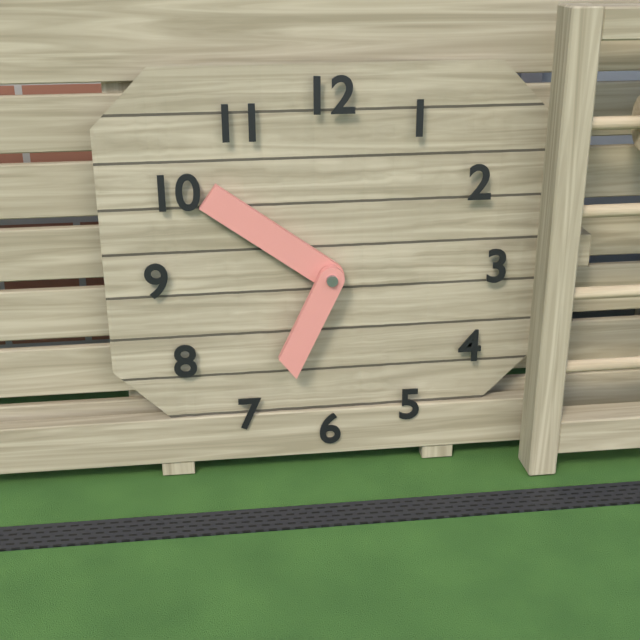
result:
6,51
